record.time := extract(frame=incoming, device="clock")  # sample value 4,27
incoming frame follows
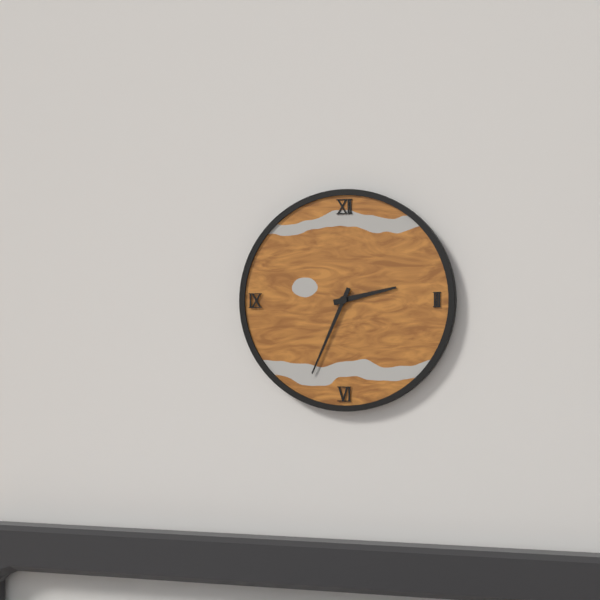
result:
2,34
